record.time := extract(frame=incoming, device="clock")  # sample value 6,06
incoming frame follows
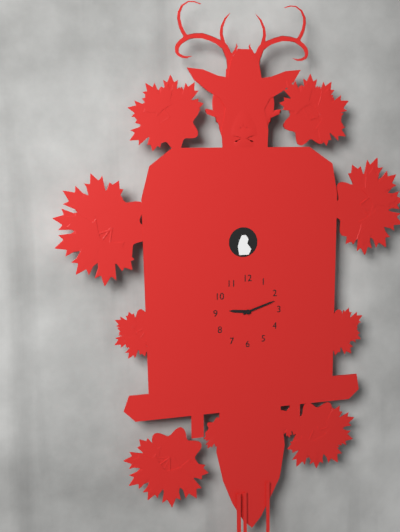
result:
9,12
